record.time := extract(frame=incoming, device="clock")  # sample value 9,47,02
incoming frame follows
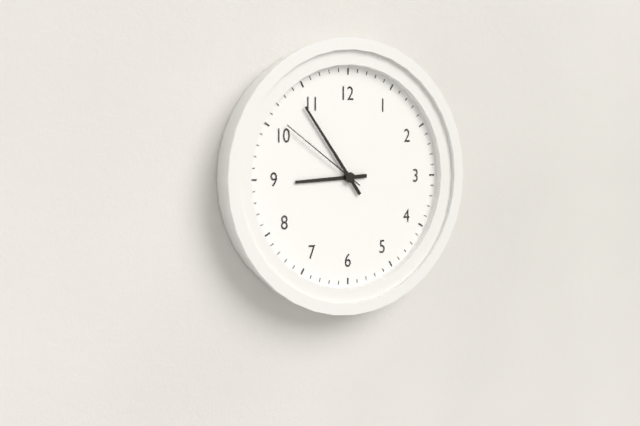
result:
8,54,51
